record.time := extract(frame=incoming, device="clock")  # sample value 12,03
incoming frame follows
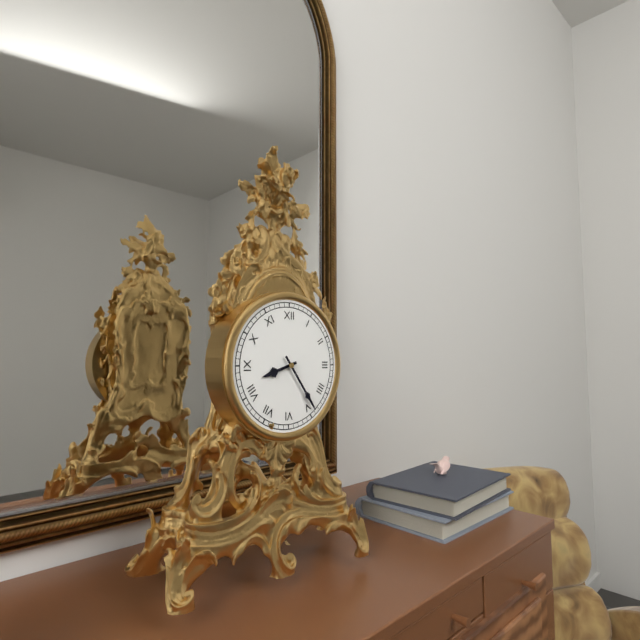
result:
8,24
